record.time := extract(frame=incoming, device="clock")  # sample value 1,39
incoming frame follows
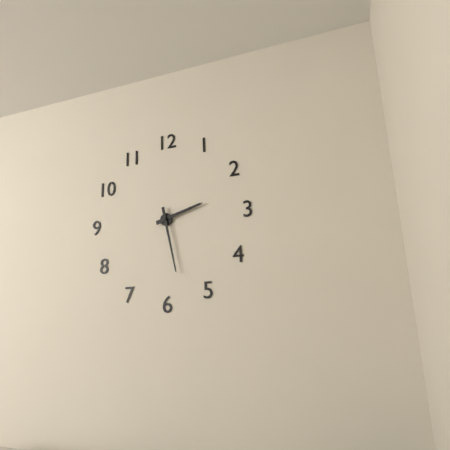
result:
2,28
